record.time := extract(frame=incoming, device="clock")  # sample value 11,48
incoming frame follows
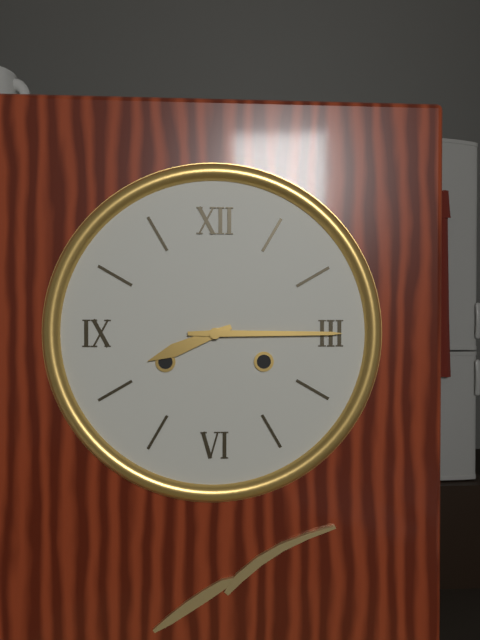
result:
8,15
